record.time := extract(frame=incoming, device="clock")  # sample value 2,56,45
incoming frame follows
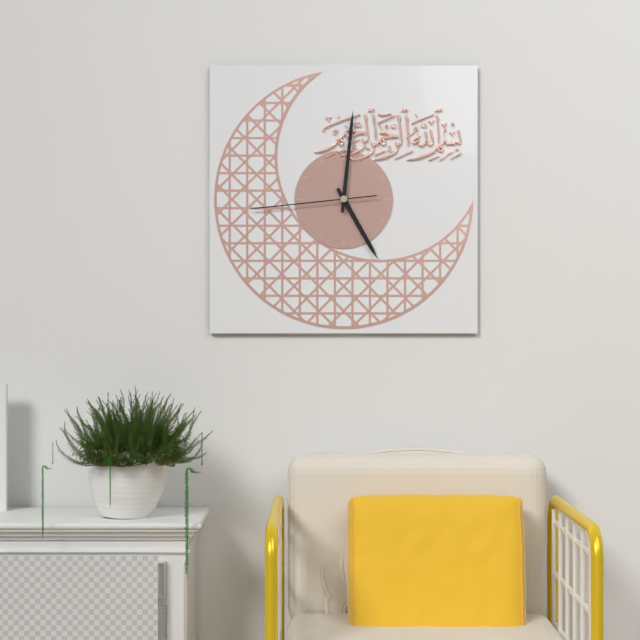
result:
5,01,44
